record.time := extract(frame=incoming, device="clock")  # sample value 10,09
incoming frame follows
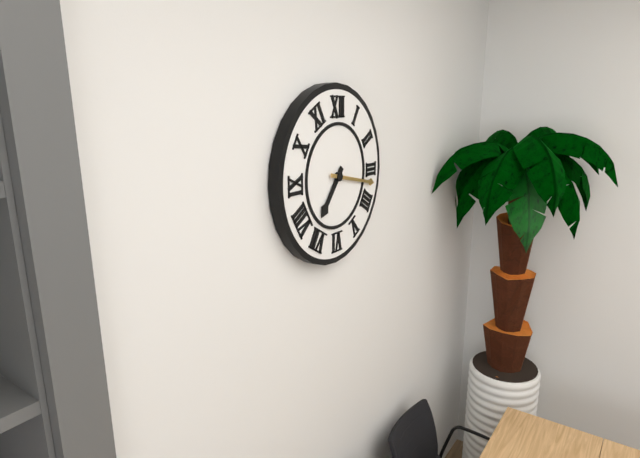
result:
7,17
